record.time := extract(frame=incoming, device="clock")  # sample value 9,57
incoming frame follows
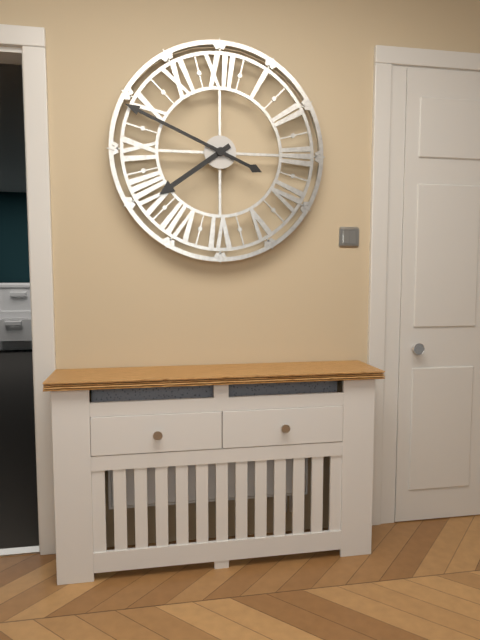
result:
7,49
